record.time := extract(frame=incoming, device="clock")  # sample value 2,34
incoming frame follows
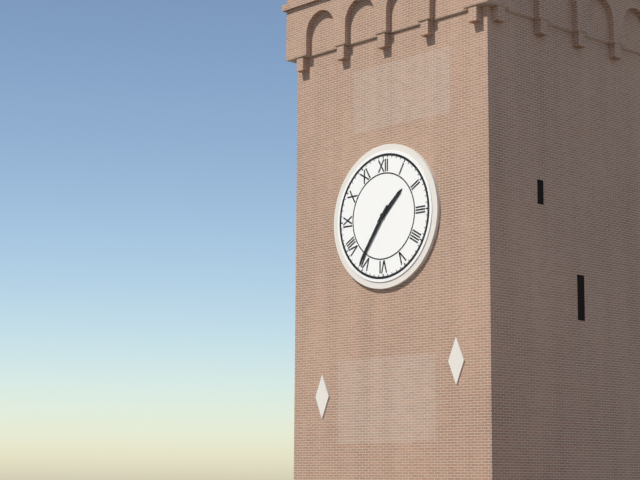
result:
1,36
